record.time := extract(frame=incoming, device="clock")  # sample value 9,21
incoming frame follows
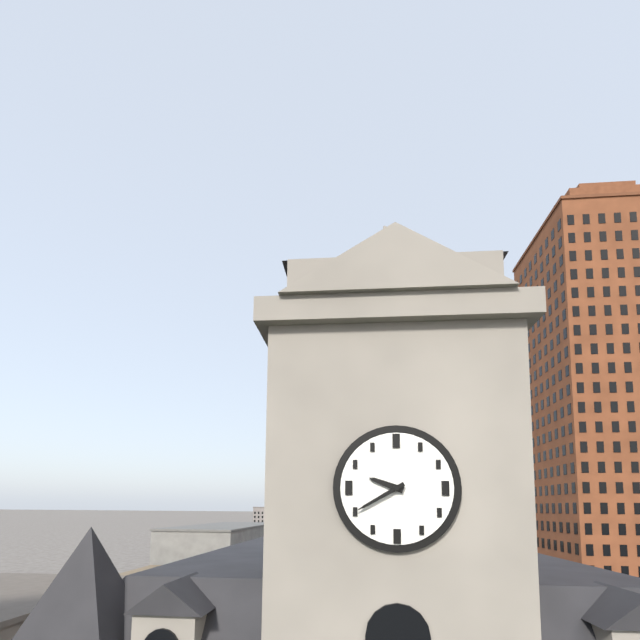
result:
9,40
